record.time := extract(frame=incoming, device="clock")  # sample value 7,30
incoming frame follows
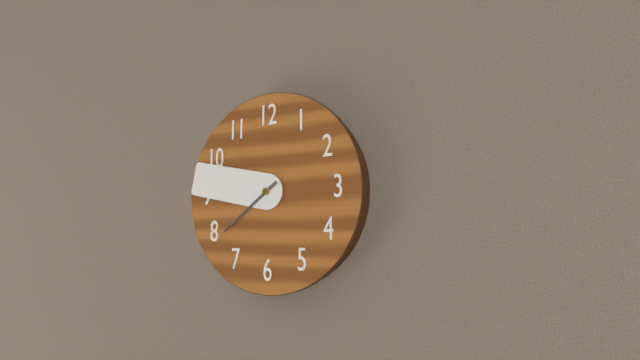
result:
7,47
